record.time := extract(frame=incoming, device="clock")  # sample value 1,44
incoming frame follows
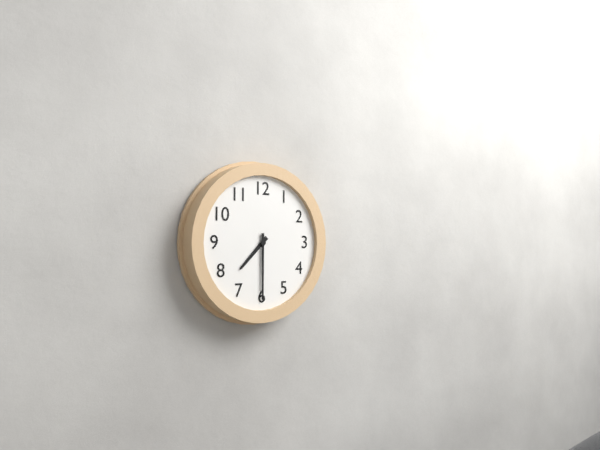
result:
7,30
